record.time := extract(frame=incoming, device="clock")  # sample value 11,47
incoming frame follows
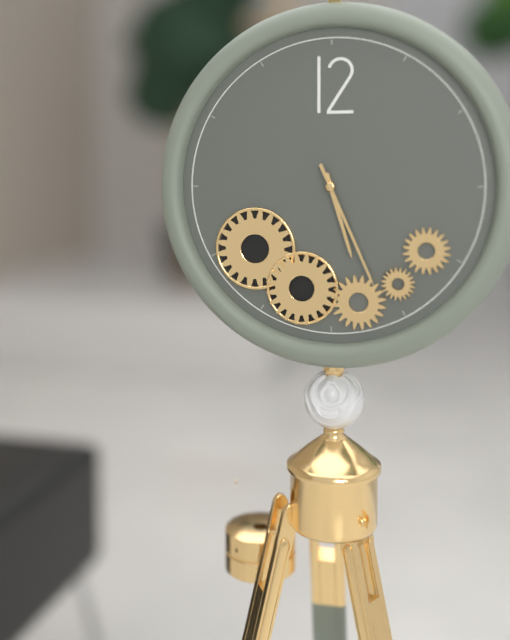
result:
5,26
